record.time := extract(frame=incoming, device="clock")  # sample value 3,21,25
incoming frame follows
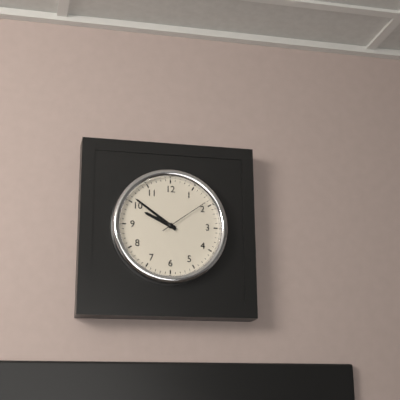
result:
9,51,09
